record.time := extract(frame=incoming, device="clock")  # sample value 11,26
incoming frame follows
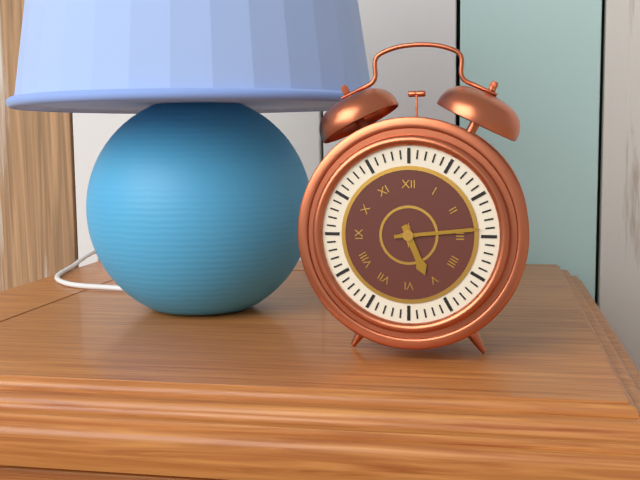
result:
5,14
